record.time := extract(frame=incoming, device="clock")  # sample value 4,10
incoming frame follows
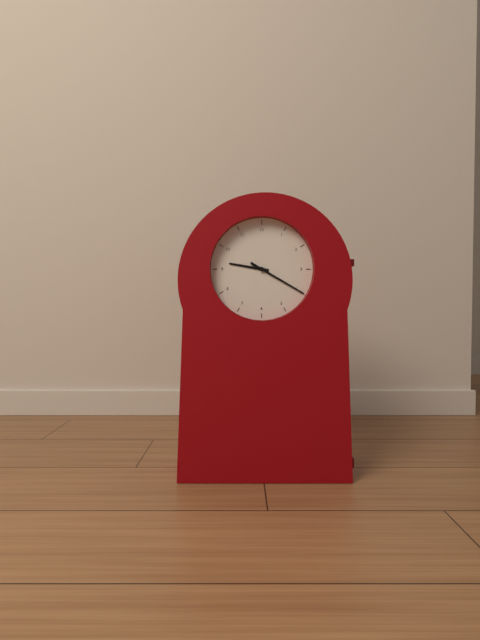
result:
9,20
